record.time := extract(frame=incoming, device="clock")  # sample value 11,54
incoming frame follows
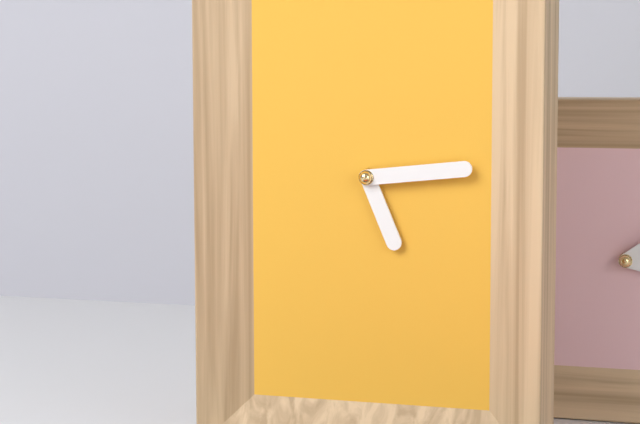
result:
5,14
